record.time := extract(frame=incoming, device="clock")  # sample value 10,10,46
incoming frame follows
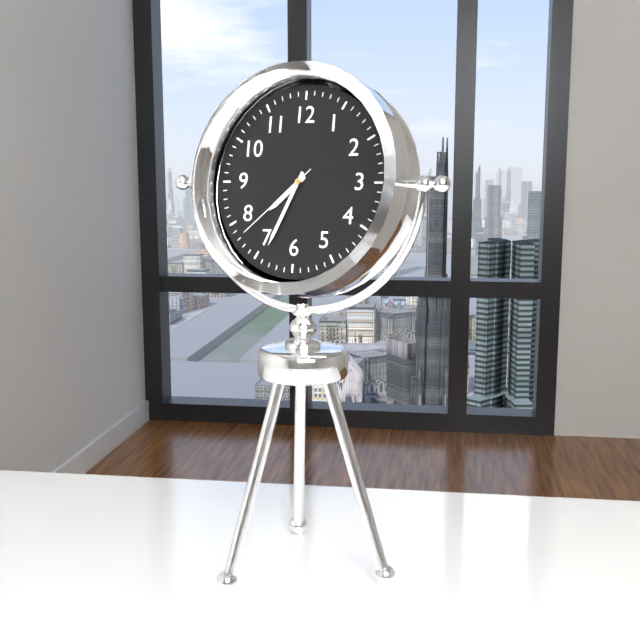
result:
7,34,38
